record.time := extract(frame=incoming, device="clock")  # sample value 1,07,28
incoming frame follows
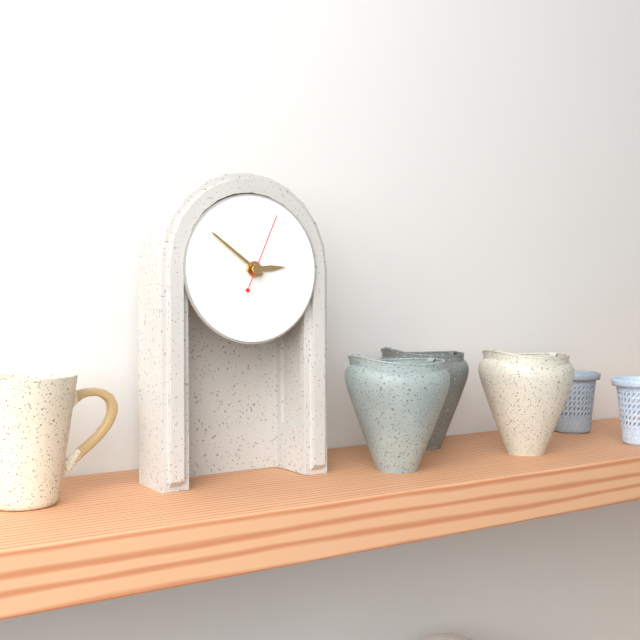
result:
2,51,04
